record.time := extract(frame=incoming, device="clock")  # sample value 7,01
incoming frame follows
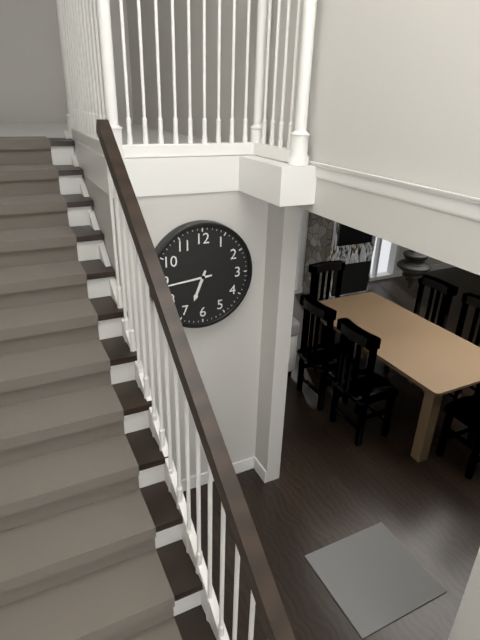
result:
6,44
